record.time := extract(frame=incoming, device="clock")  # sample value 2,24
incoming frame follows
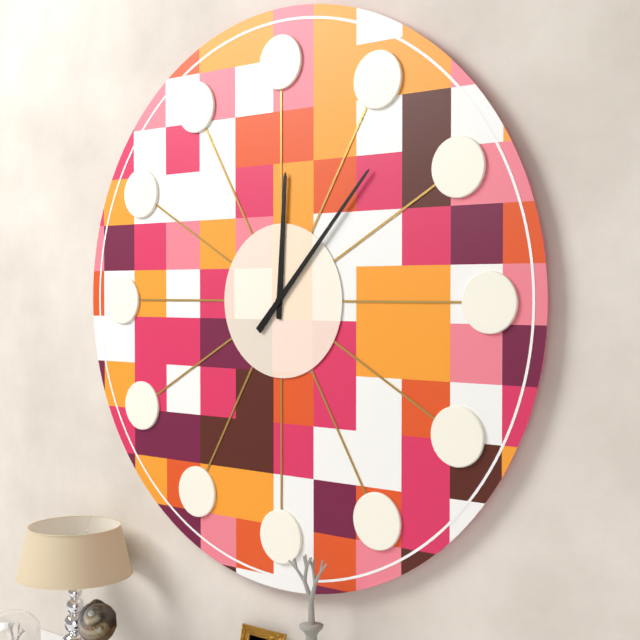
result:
12,07
